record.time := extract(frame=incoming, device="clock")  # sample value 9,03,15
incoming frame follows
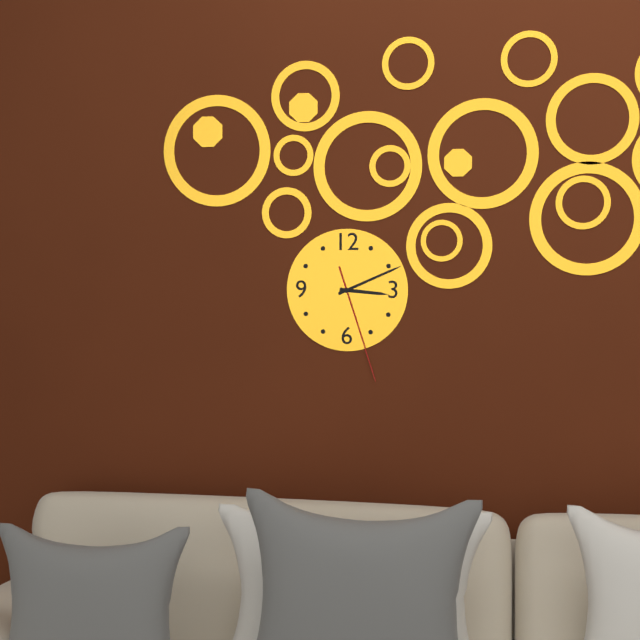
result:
3,11,27
